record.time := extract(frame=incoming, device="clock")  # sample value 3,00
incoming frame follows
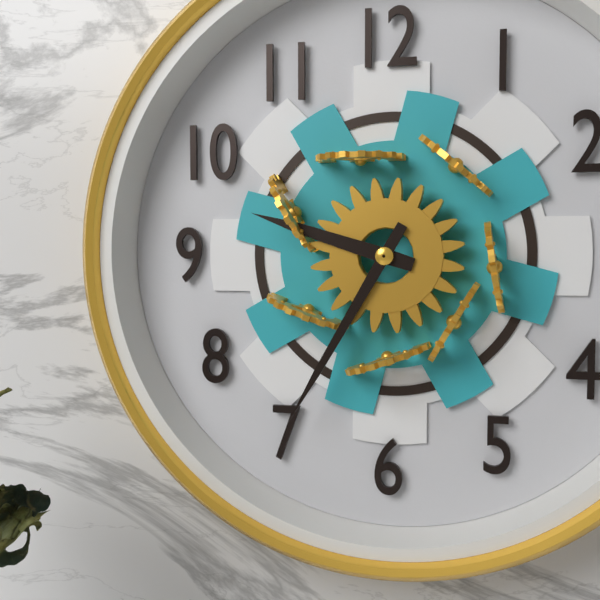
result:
9,35
